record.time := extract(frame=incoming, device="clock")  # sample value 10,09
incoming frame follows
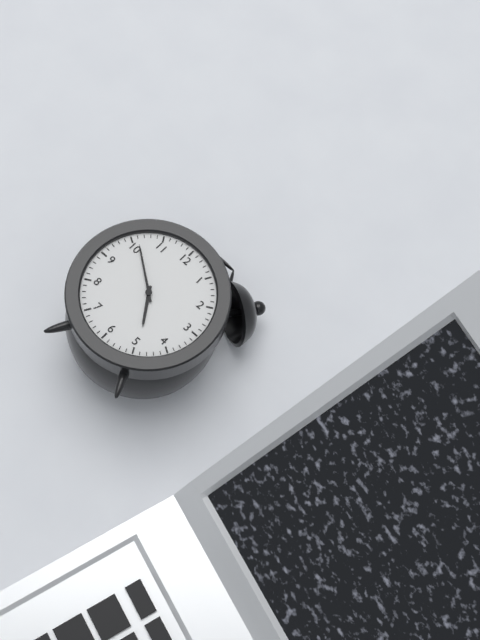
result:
4,51
